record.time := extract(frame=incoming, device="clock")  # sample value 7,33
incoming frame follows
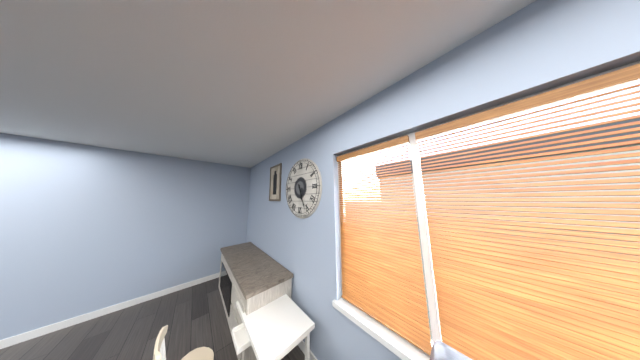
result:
5,26
